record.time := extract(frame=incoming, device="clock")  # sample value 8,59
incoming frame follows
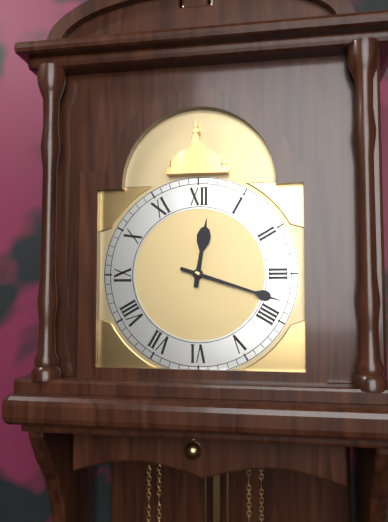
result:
12,18
